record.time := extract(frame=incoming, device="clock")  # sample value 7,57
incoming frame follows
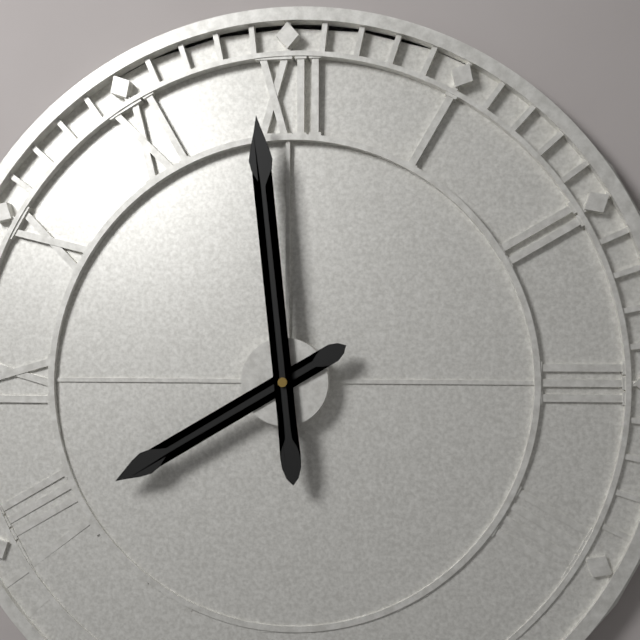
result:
7,59
